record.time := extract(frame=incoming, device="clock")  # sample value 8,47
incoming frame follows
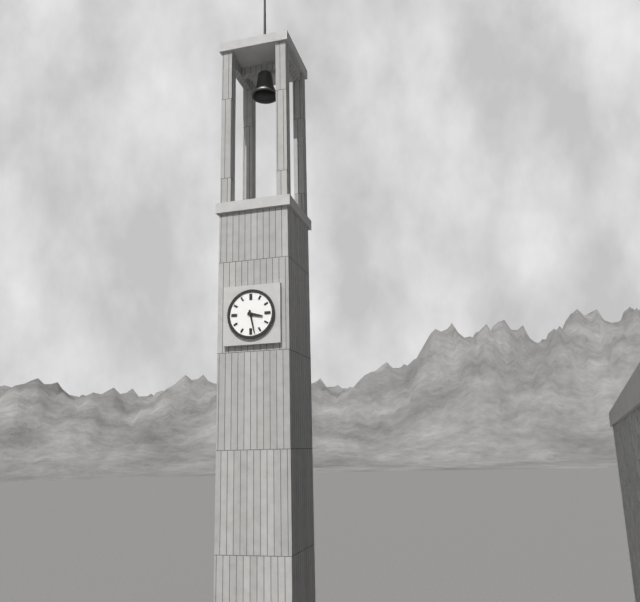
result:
3,28
